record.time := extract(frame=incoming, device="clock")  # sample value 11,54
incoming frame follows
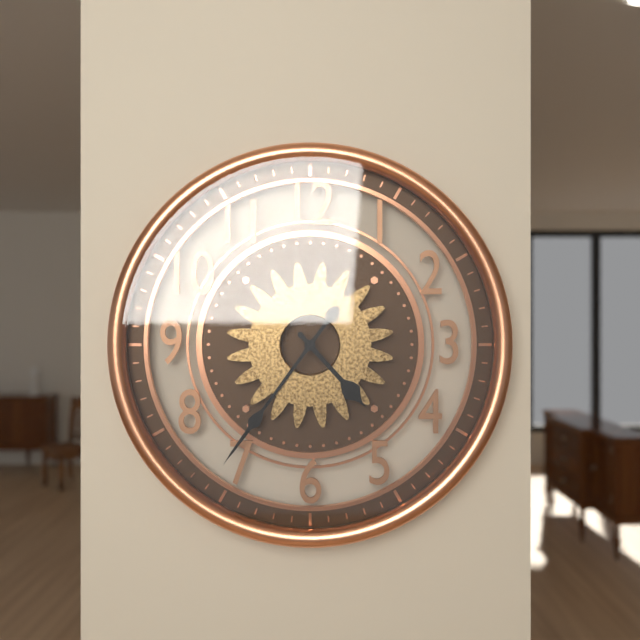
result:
4,36
